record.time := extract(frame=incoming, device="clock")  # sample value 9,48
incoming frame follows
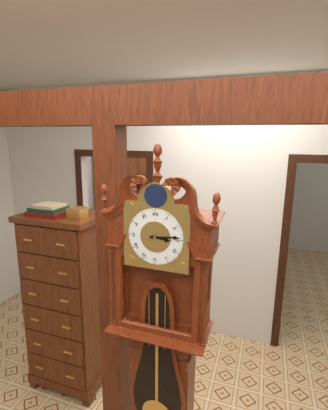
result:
3,14
